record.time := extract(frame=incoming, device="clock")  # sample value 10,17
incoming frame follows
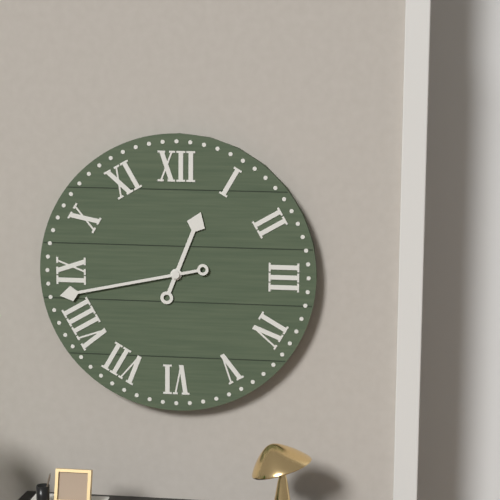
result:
12,43
